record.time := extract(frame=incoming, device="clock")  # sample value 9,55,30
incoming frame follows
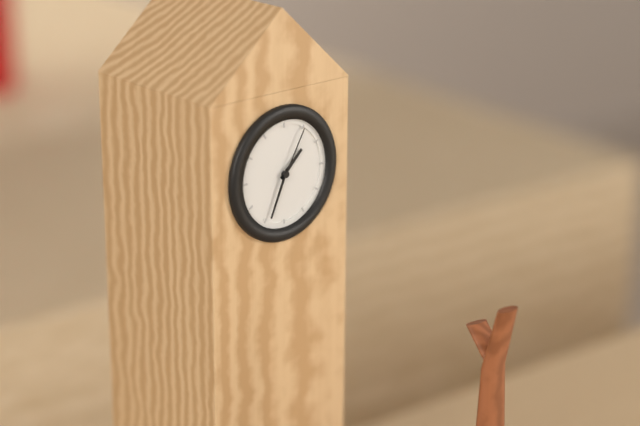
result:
1,34,05
